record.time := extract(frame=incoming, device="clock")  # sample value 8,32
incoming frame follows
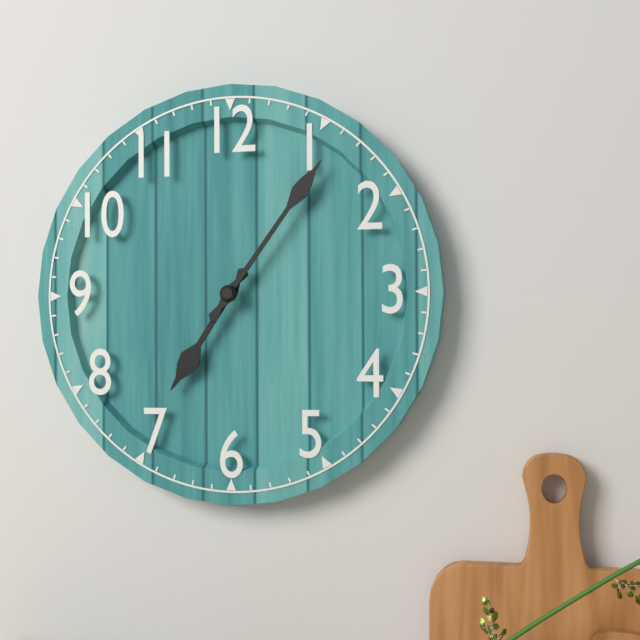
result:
7,06
